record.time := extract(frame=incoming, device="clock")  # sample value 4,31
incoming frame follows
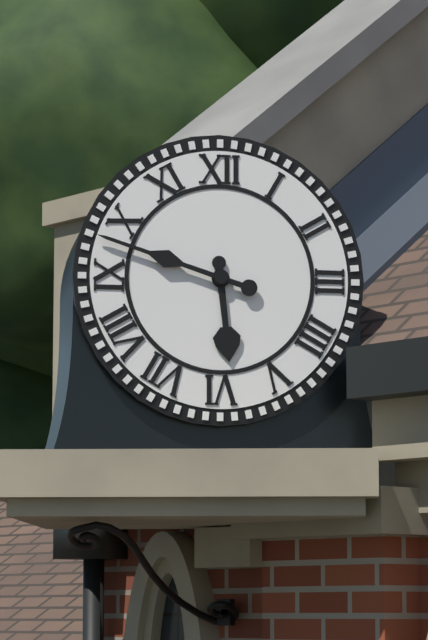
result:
5,48
